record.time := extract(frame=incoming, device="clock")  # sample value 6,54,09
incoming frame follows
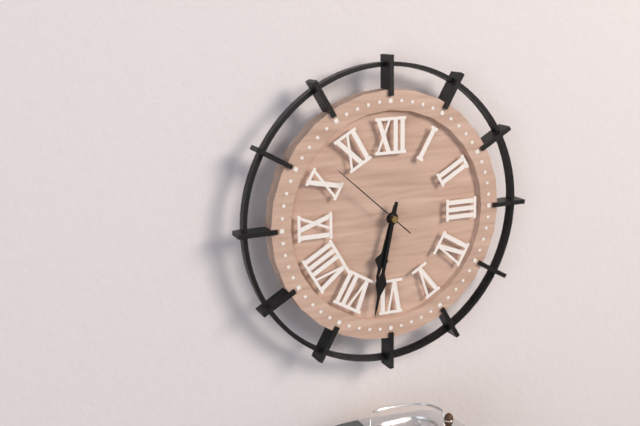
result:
6,32,52
